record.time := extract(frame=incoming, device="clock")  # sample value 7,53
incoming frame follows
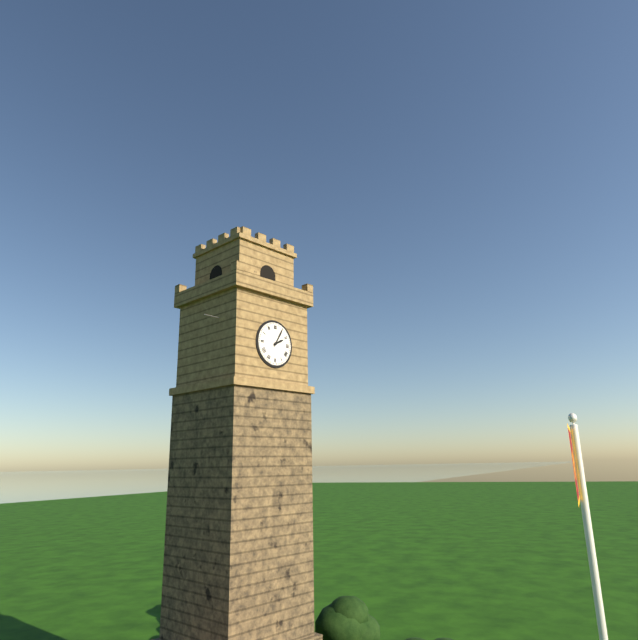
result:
2,05
